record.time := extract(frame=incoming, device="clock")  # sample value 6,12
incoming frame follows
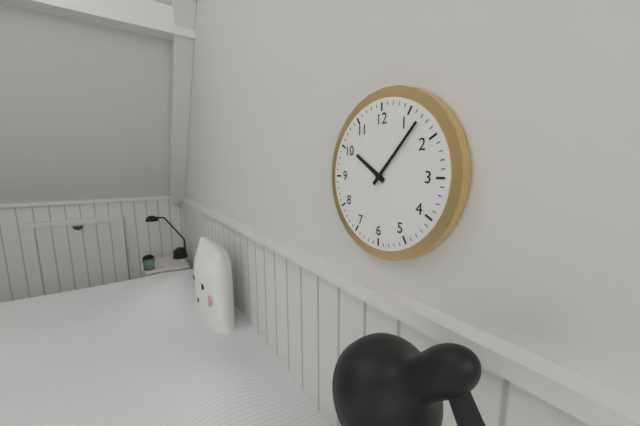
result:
10,07
